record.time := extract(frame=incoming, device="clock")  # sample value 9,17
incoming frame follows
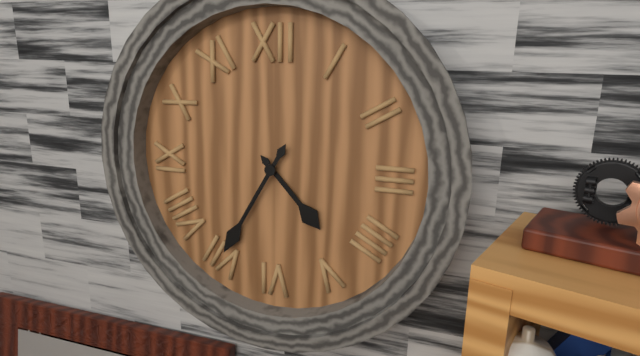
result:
4,35
